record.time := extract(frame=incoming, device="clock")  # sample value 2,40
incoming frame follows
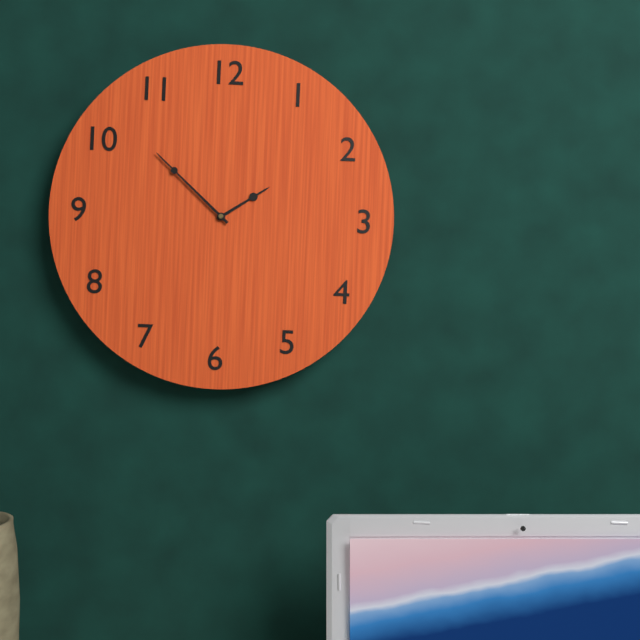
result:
1,52
